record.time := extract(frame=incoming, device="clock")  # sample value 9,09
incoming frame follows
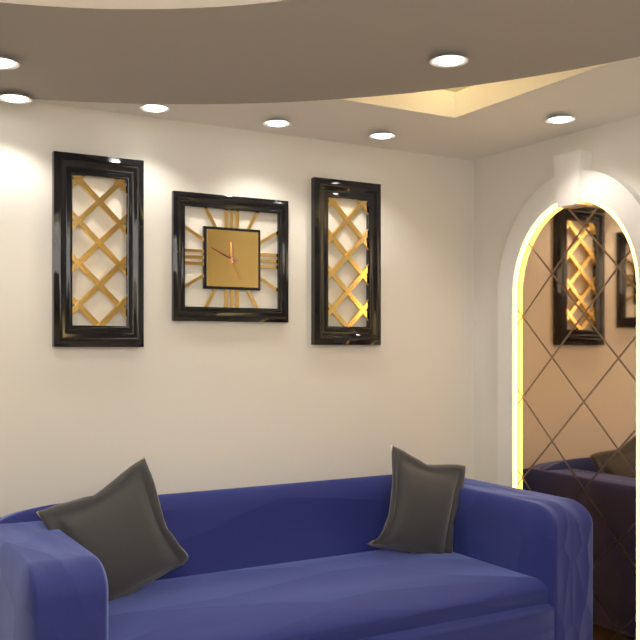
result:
11,49
